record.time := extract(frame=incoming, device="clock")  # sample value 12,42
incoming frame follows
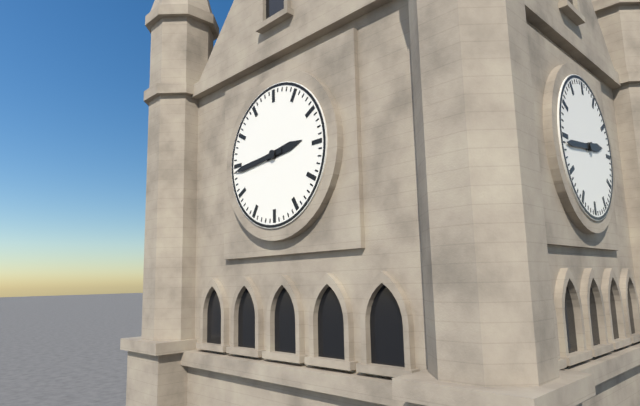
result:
2,44
